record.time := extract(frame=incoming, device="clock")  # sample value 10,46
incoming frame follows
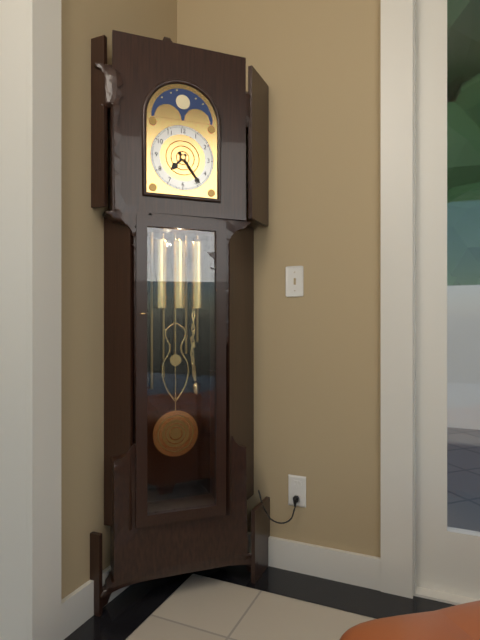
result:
7,24
